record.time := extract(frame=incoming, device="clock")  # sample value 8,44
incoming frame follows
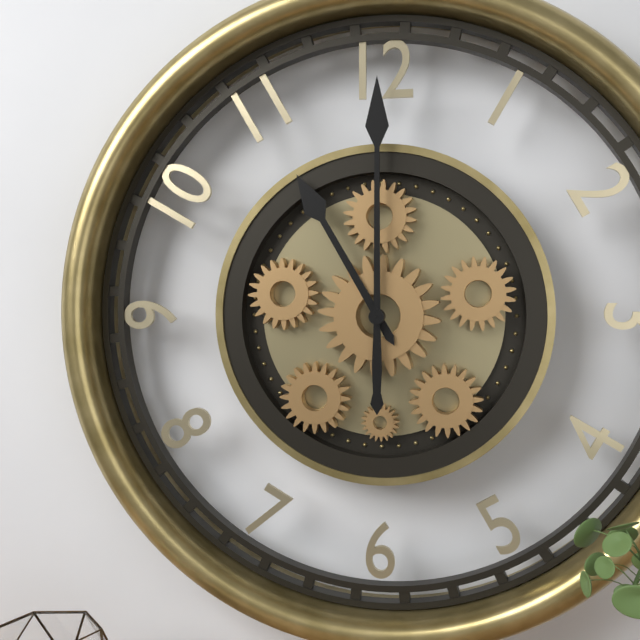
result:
11,00
